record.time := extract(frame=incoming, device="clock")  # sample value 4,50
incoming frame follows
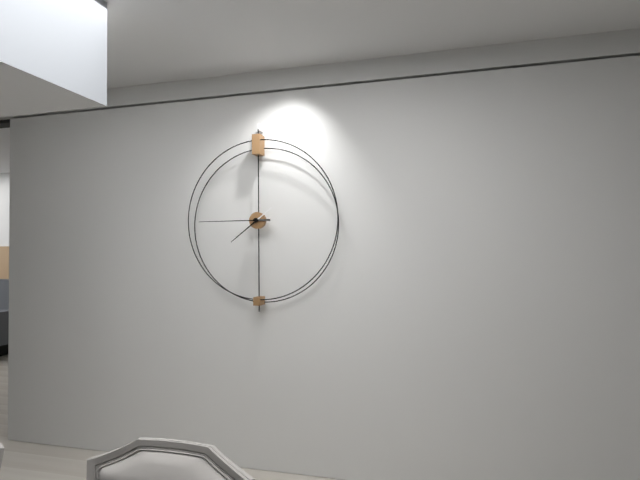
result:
7,45
